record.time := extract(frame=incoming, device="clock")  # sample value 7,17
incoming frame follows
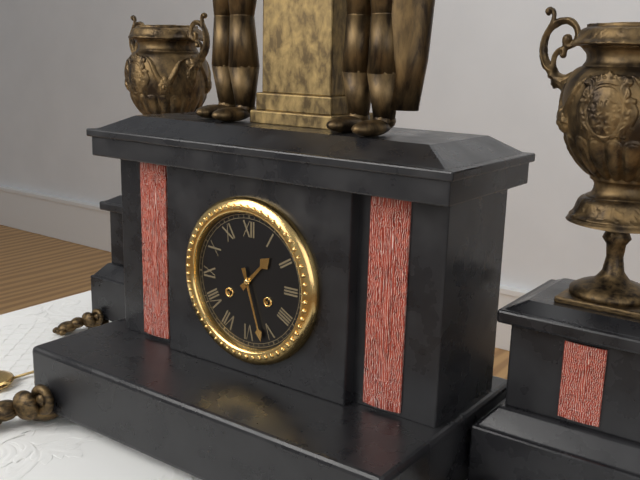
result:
1,27
